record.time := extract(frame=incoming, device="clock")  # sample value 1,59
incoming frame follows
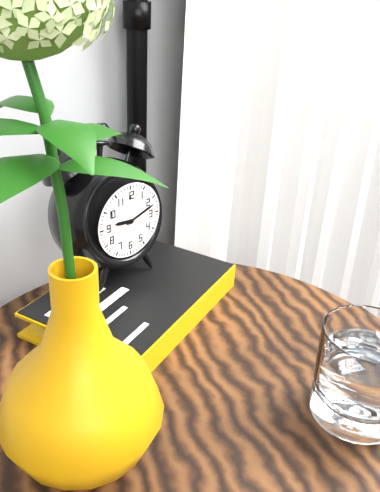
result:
9,12
